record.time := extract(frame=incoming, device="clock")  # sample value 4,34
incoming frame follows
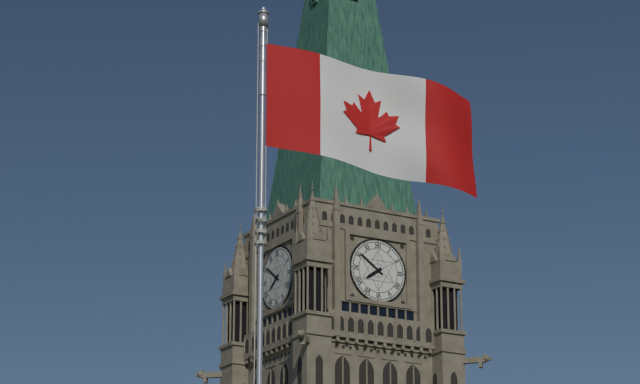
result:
7,51
